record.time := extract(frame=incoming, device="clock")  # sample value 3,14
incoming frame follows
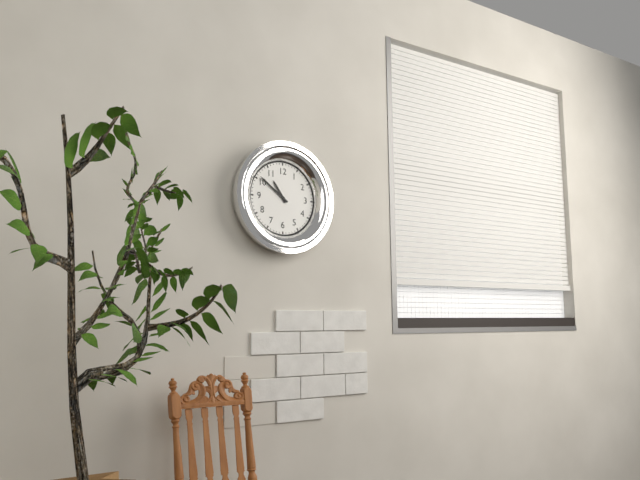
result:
10,51
